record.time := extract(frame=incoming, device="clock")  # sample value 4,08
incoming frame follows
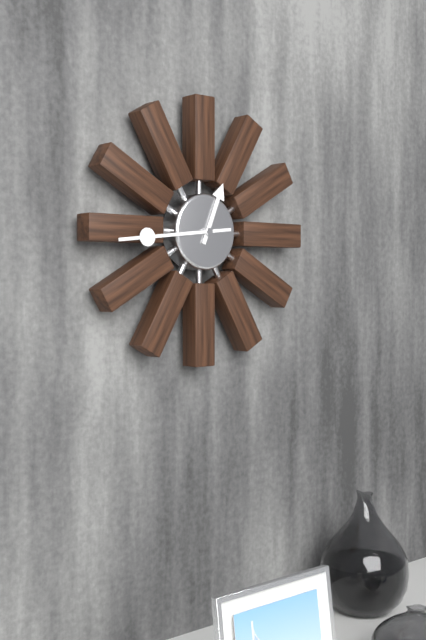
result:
12,44
